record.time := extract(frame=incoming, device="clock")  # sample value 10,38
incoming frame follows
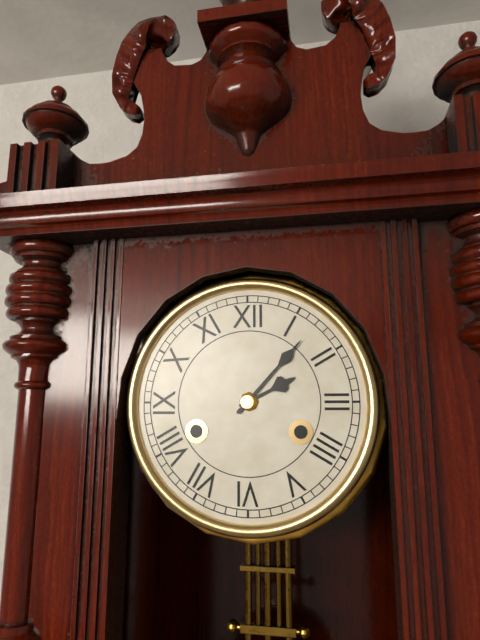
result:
2,07
